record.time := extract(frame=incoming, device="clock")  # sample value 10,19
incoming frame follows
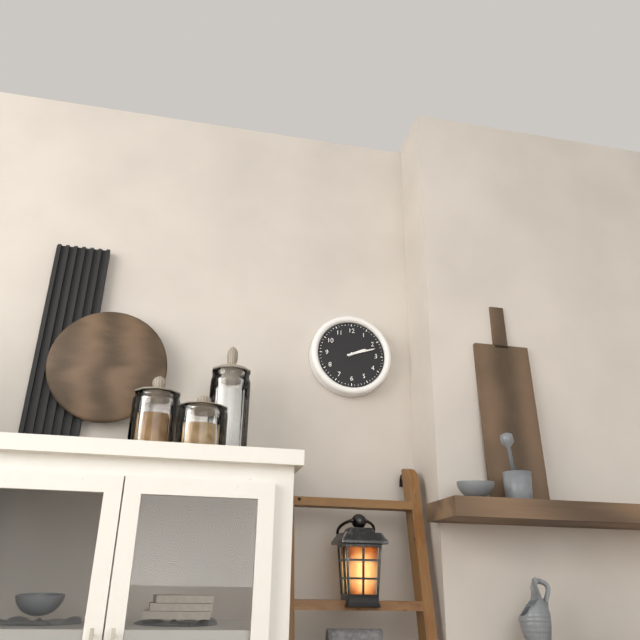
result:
2,12
